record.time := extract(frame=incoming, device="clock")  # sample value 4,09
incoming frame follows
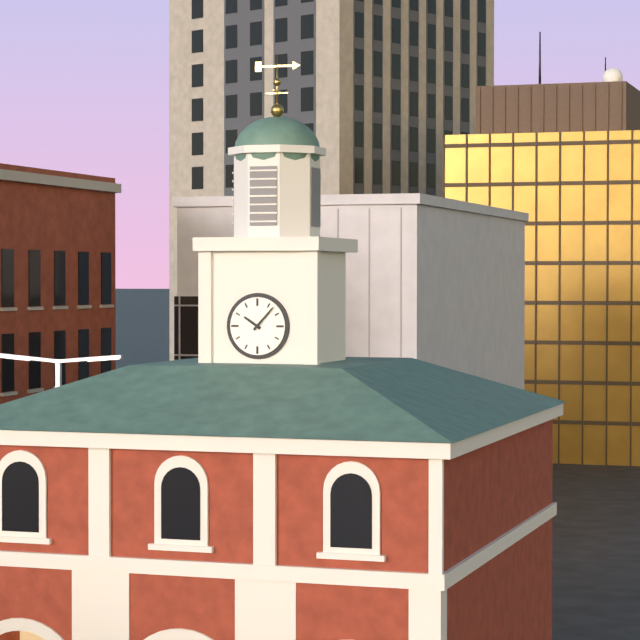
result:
10,07
